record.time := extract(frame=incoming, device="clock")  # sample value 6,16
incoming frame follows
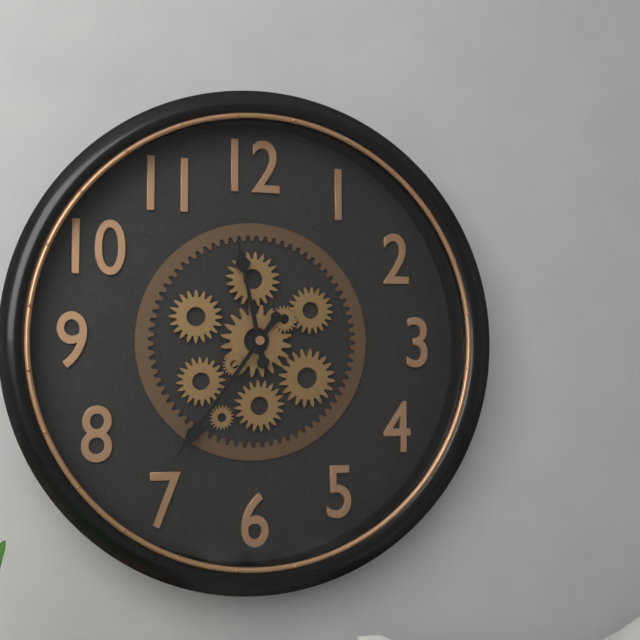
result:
11,36
